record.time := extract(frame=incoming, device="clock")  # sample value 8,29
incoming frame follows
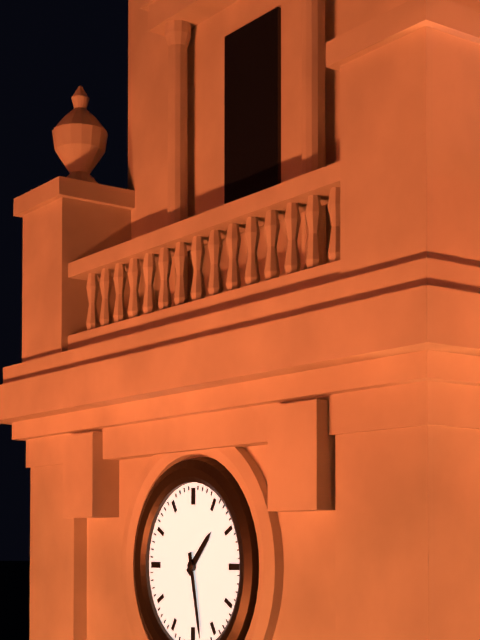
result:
1,28
